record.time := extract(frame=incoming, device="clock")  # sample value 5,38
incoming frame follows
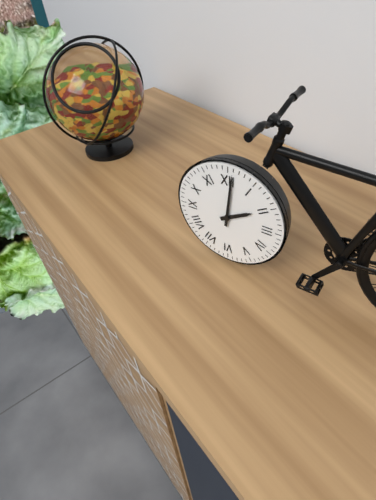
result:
2,01
